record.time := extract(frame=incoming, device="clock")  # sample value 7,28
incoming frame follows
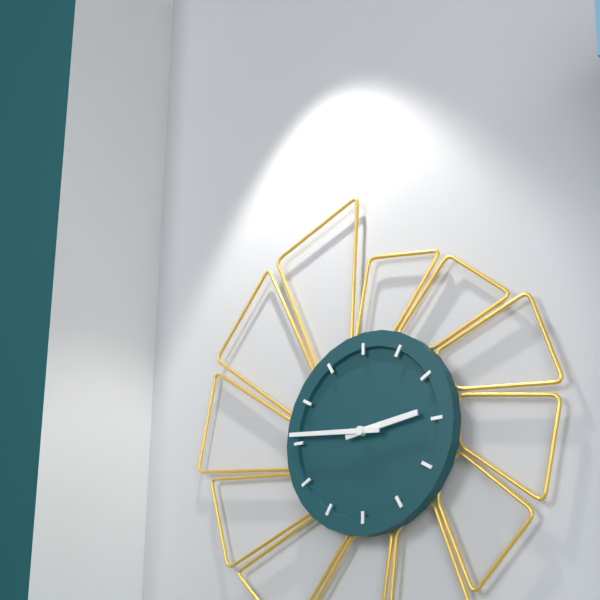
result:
2,46
